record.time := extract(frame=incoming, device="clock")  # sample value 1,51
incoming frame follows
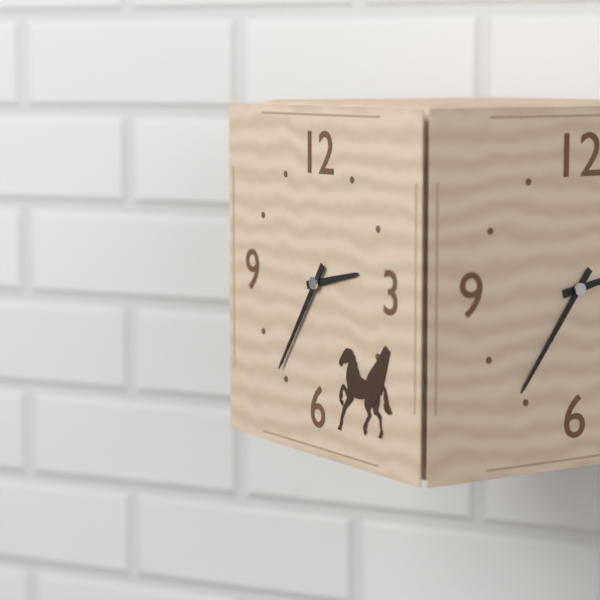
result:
2,36
